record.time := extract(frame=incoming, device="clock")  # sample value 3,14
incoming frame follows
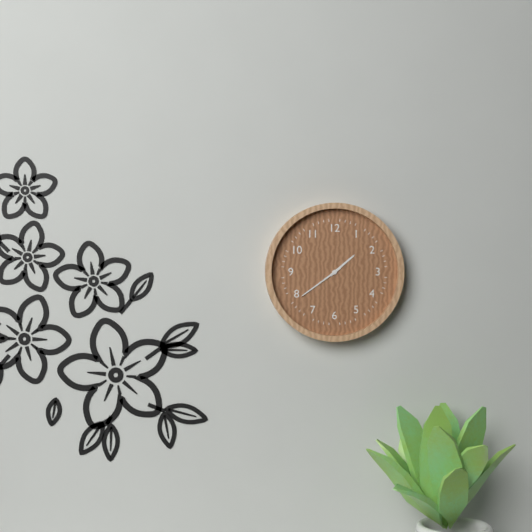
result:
1,39
